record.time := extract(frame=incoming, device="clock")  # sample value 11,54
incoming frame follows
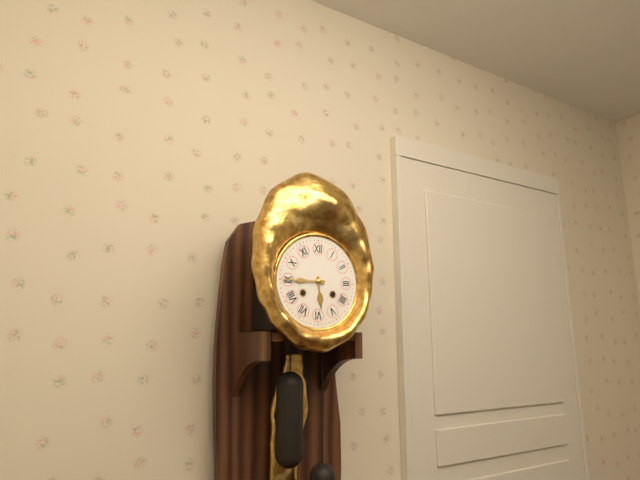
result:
5,45
